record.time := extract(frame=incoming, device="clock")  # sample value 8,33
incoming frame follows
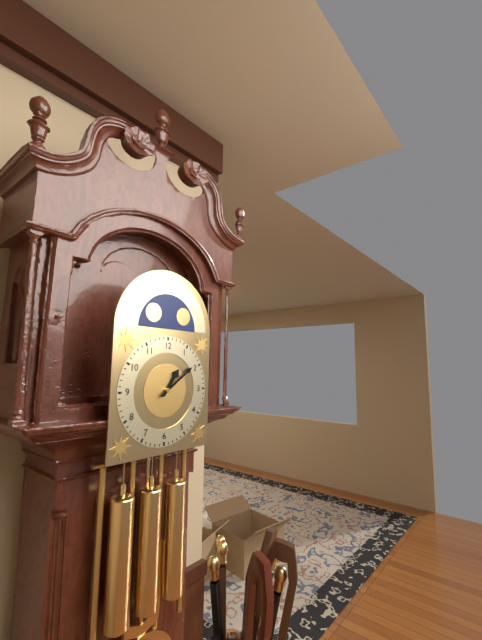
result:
1,09
